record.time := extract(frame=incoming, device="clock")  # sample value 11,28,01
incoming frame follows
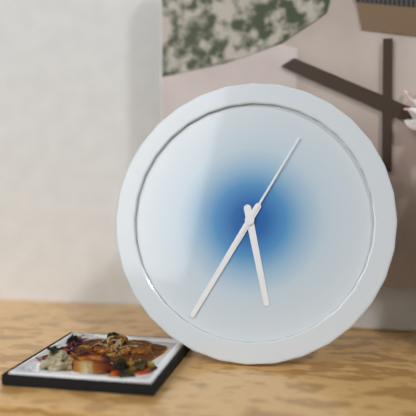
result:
5,35,05
